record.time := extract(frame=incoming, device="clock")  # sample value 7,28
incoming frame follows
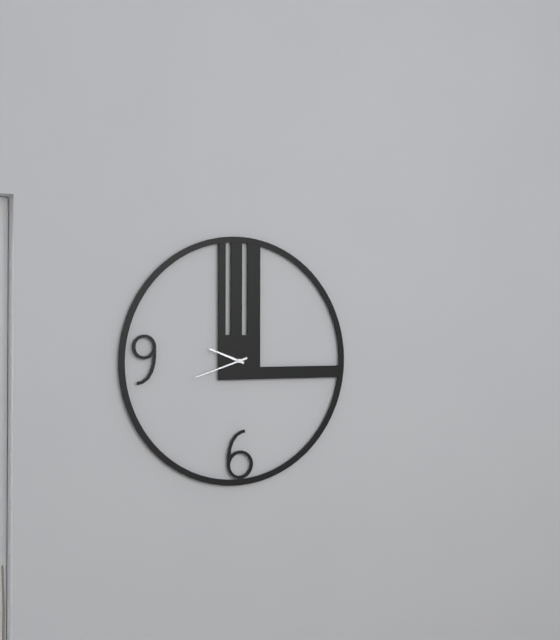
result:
9,42
